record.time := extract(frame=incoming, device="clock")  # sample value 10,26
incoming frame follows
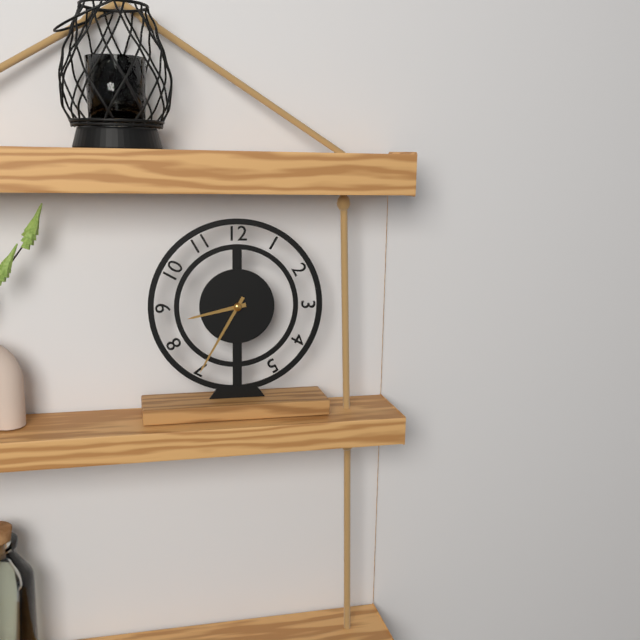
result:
8,35
